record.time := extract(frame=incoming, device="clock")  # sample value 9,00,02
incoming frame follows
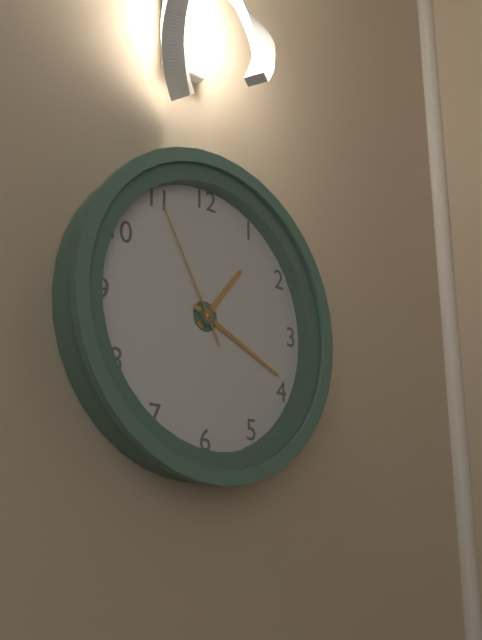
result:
1,19,55
